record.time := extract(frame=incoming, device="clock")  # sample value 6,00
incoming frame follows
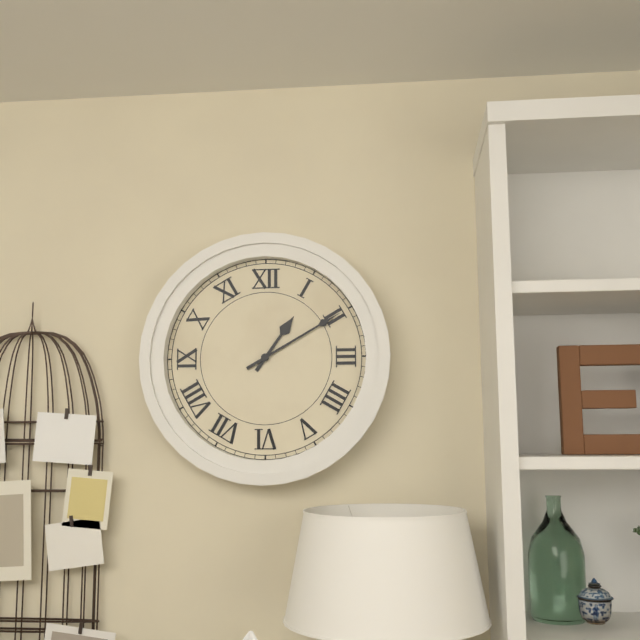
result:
1,10
